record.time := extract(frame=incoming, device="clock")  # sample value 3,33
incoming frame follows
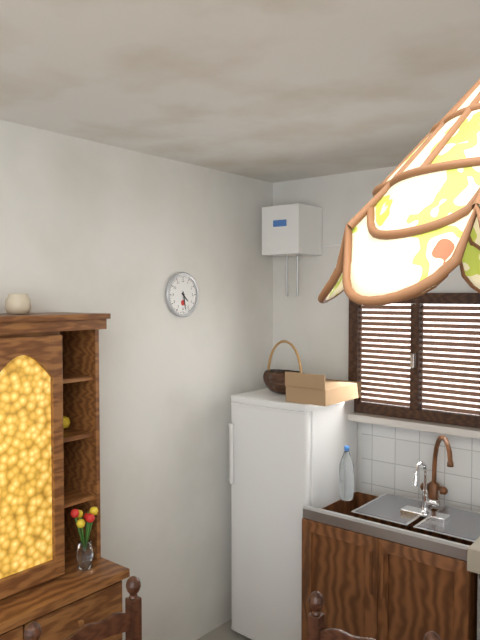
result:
4,28
